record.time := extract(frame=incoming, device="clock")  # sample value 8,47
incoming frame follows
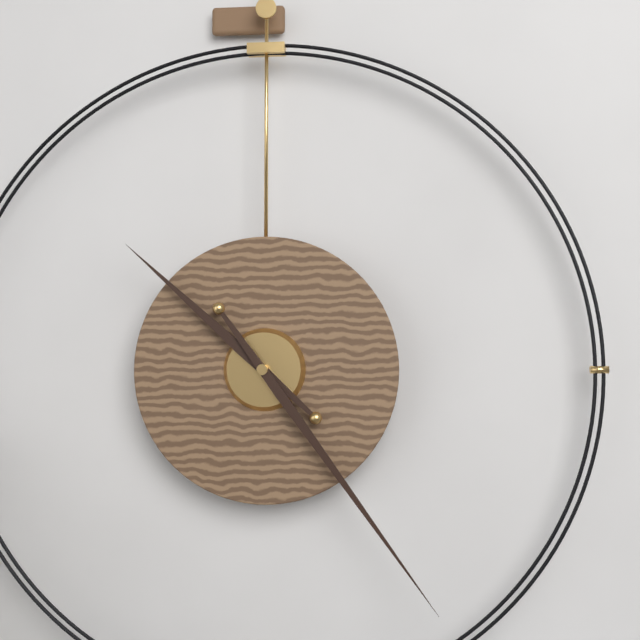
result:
10,24
